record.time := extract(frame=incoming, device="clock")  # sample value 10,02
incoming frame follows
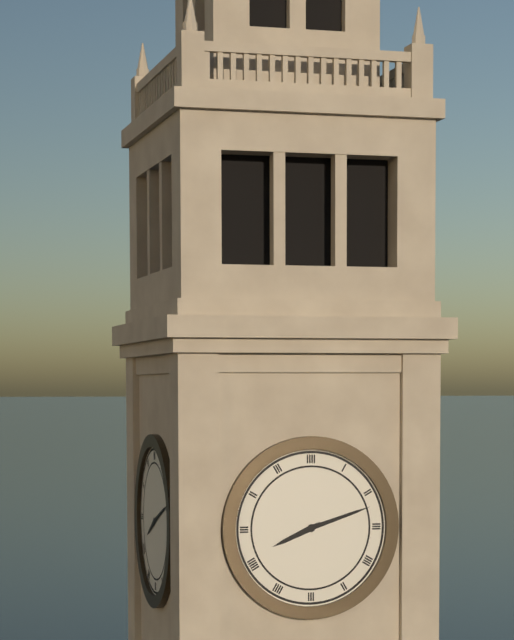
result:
8,12
